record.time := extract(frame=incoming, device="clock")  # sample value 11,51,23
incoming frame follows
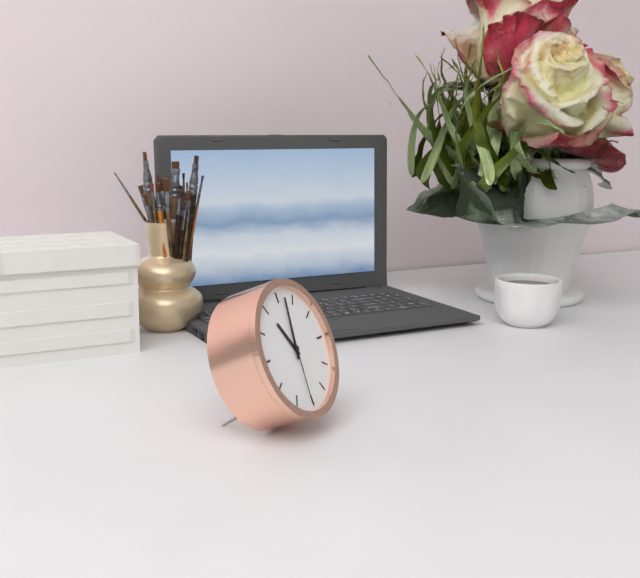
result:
11,02,31
